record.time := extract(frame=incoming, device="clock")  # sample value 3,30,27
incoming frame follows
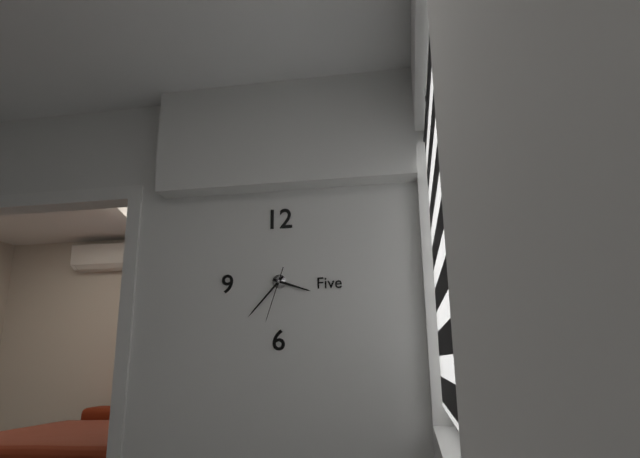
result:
3,37,33
